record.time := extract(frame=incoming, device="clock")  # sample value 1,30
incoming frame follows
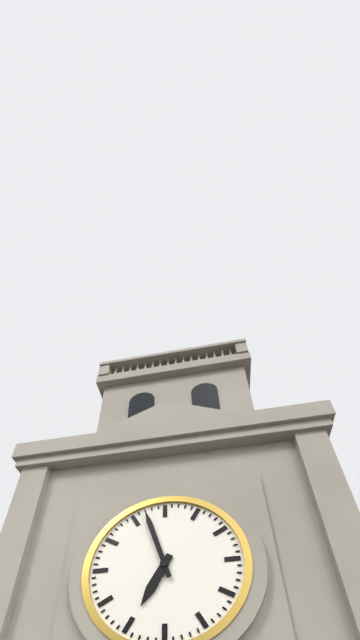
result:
6,57
